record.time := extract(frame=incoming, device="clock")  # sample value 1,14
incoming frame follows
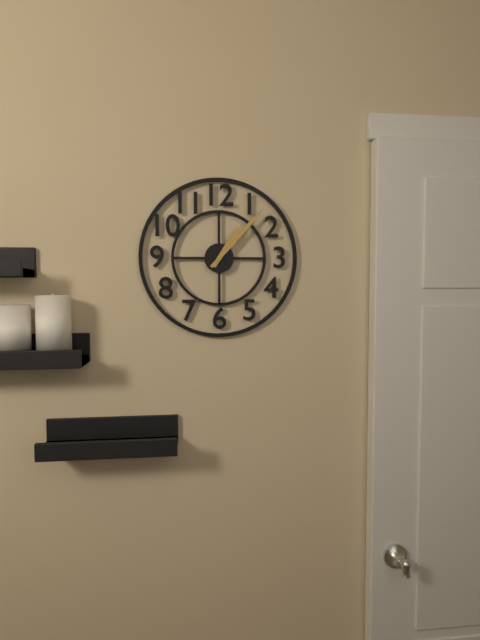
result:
1,07
